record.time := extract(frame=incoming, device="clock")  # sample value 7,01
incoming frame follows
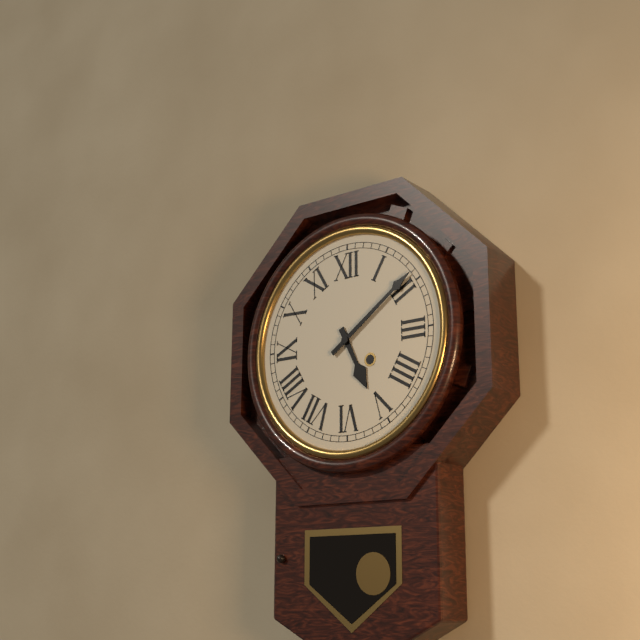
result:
5,09
